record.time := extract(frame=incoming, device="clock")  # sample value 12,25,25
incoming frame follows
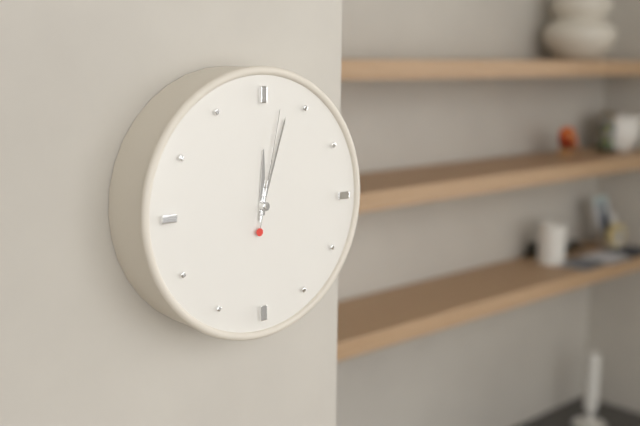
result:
12,03,02
